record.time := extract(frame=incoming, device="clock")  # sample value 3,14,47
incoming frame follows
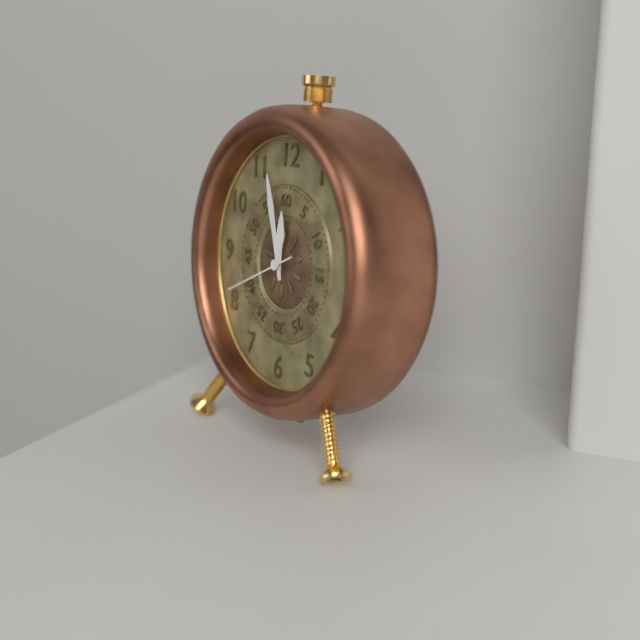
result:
11,57,41
